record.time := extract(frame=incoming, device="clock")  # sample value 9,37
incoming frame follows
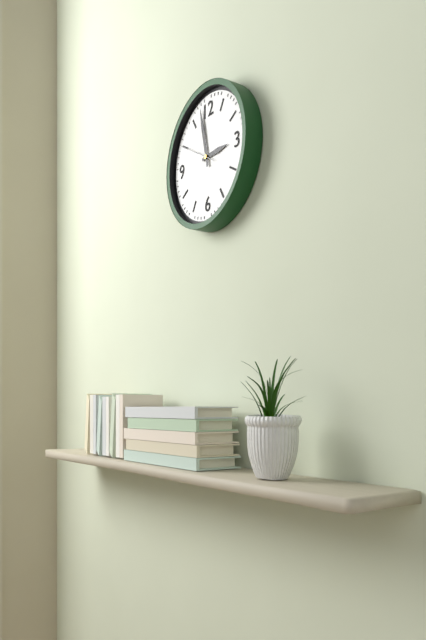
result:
2,58
